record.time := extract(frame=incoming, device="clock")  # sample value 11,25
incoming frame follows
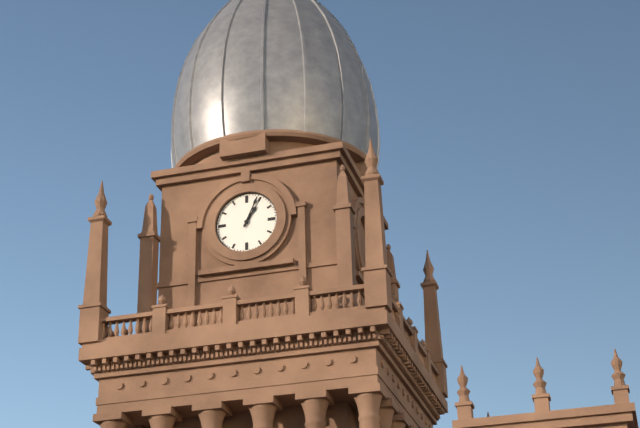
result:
1,04
